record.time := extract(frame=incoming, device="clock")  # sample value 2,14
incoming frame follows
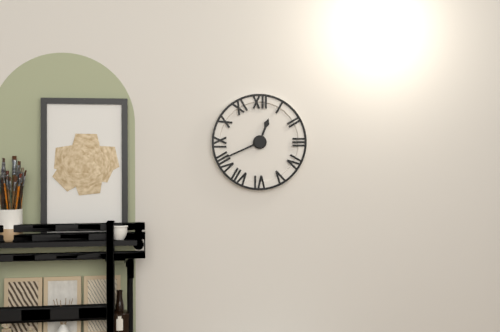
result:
12,41
